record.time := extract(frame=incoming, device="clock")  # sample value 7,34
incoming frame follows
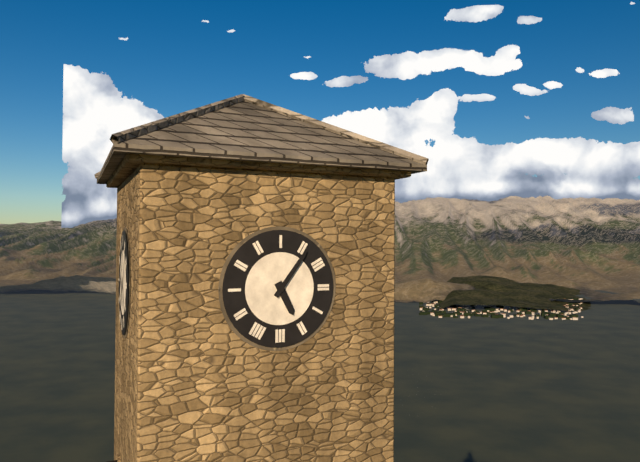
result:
5,06
